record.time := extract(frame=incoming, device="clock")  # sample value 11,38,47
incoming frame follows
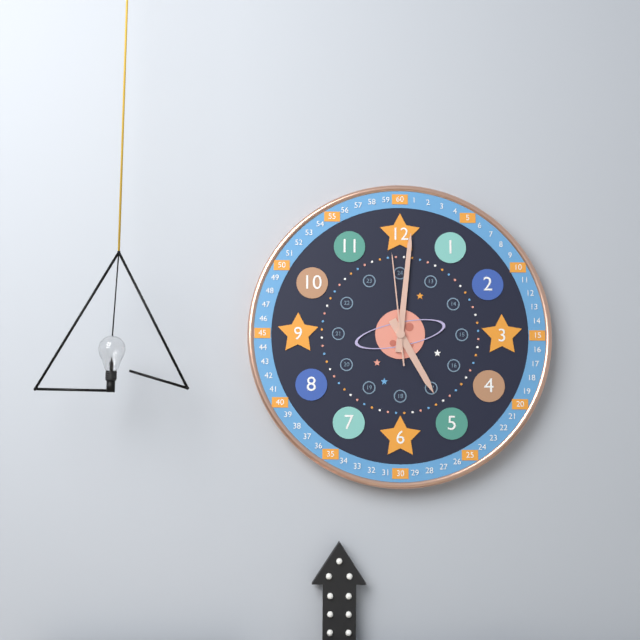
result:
5,01,59
